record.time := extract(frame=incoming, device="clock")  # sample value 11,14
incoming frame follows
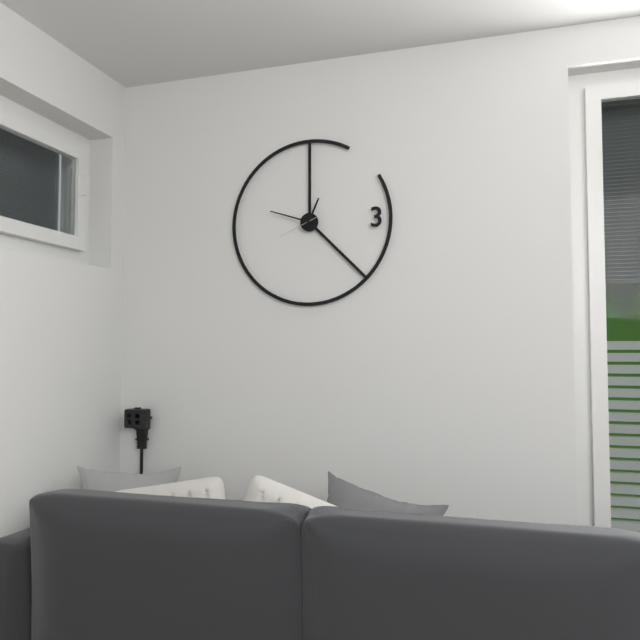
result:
12,48
